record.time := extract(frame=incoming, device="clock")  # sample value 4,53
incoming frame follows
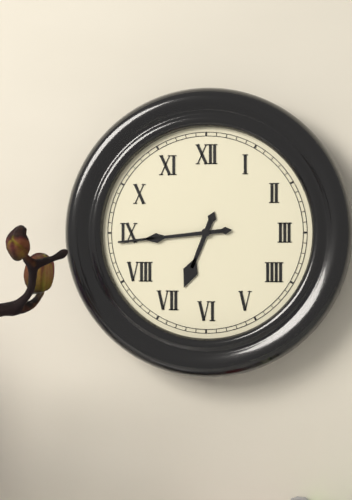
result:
6,44
